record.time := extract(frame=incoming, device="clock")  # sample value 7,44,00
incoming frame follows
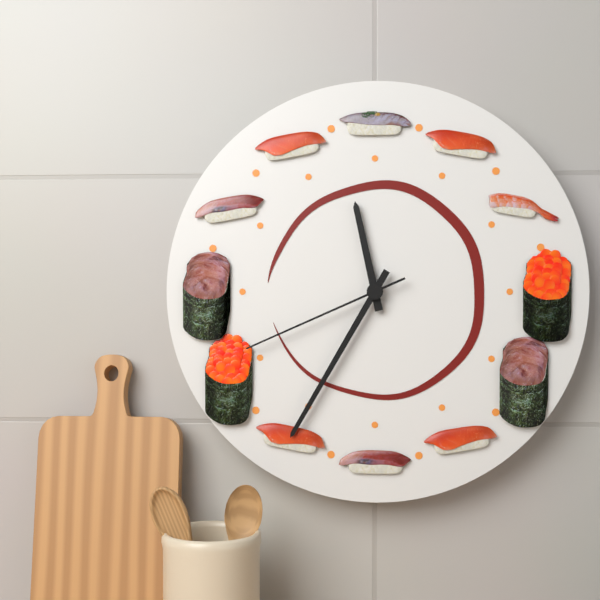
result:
11,35,41
